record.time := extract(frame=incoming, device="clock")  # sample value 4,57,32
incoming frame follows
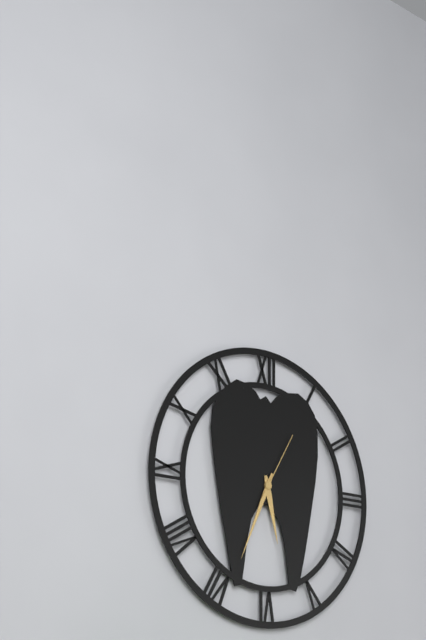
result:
5,34,05
